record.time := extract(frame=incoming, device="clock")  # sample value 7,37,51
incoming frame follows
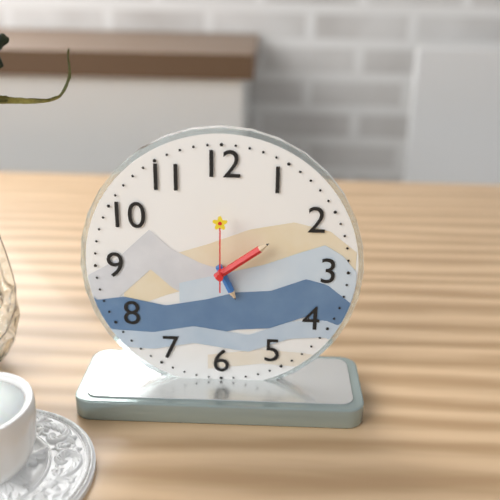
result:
5,09,00
